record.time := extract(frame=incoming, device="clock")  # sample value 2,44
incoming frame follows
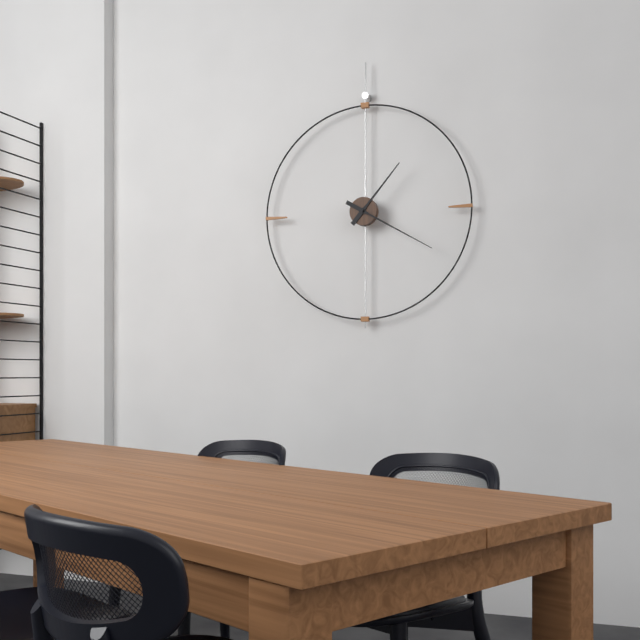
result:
1,20
